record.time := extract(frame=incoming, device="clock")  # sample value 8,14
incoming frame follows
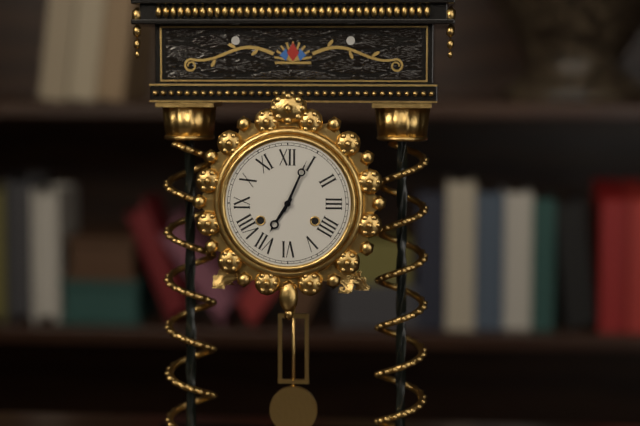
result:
7,04
